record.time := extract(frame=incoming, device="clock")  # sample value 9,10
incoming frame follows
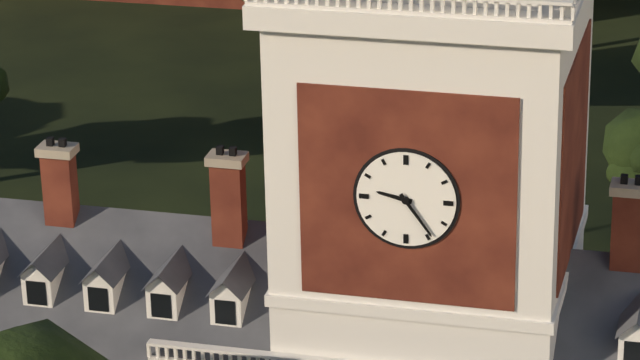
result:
9,24
